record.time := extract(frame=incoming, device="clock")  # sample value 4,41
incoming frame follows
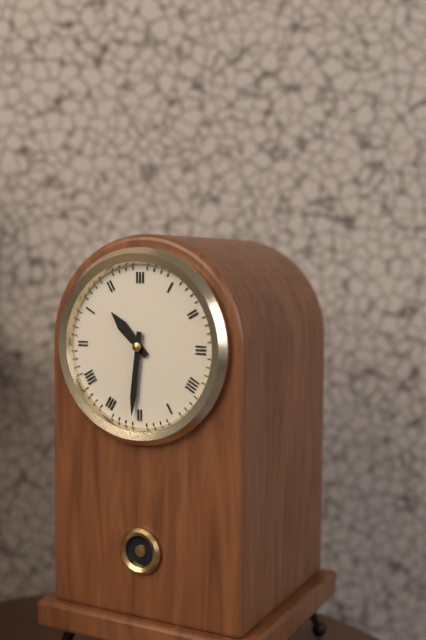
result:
10,31
